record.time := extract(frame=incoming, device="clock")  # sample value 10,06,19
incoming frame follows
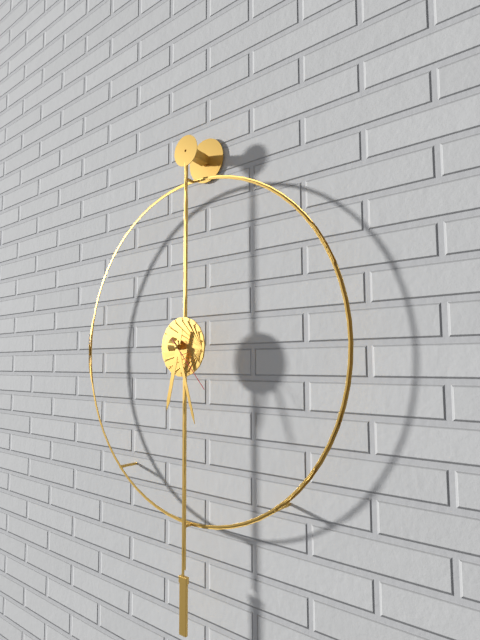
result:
6,27,23
